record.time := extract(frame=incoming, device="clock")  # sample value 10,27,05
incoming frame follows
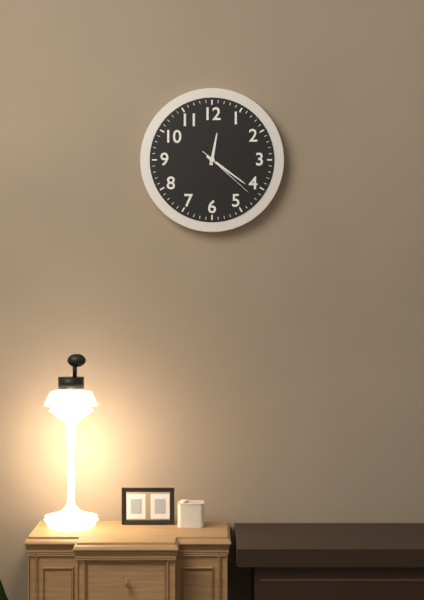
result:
12,21,22
